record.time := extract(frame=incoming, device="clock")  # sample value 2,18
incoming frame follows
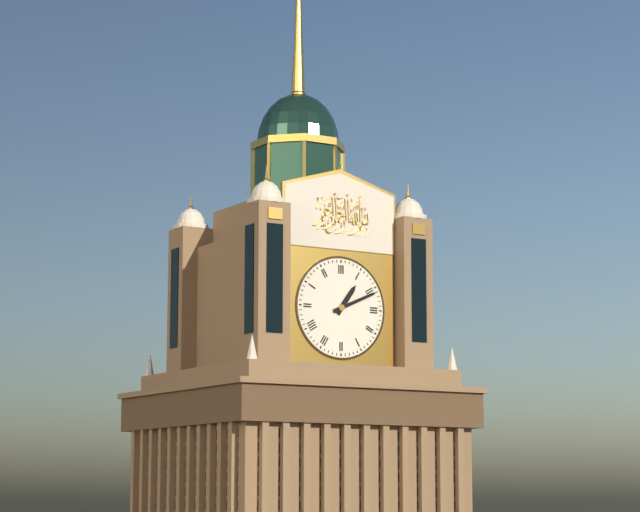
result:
1,11
